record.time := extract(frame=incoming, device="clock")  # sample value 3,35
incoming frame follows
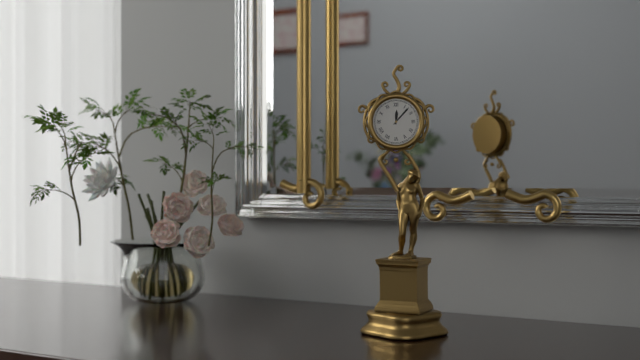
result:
12,07
